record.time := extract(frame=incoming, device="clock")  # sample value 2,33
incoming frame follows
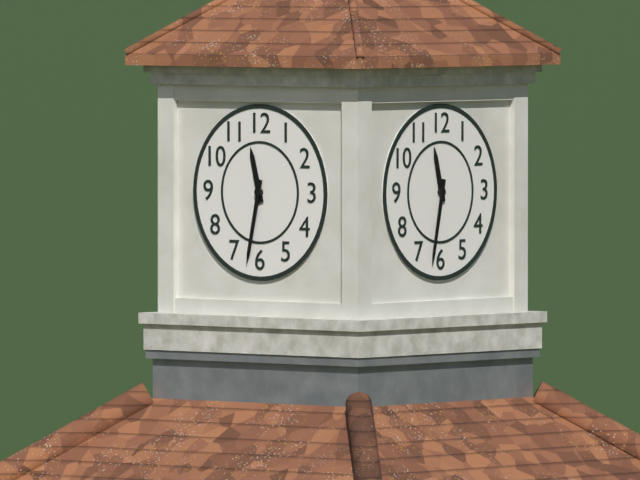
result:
11,32
